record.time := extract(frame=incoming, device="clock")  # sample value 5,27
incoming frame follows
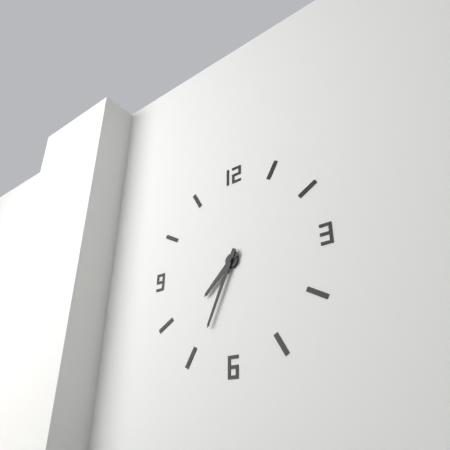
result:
7,34
